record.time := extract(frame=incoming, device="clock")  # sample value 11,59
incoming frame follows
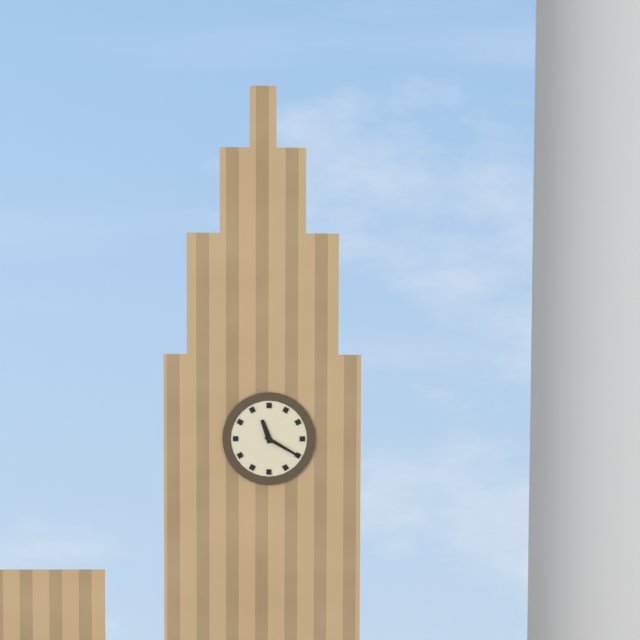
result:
11,20
